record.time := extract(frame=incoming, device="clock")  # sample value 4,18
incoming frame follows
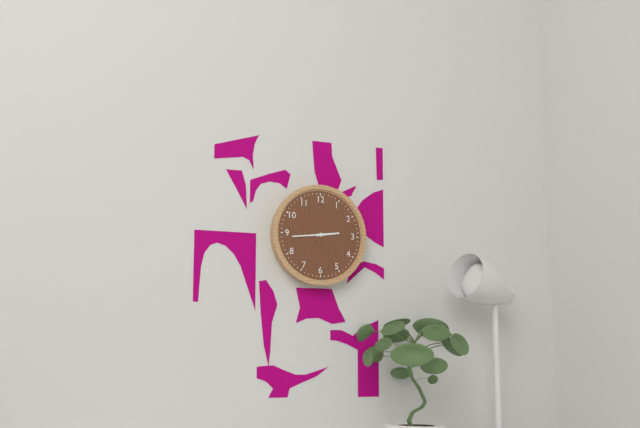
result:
2,44
